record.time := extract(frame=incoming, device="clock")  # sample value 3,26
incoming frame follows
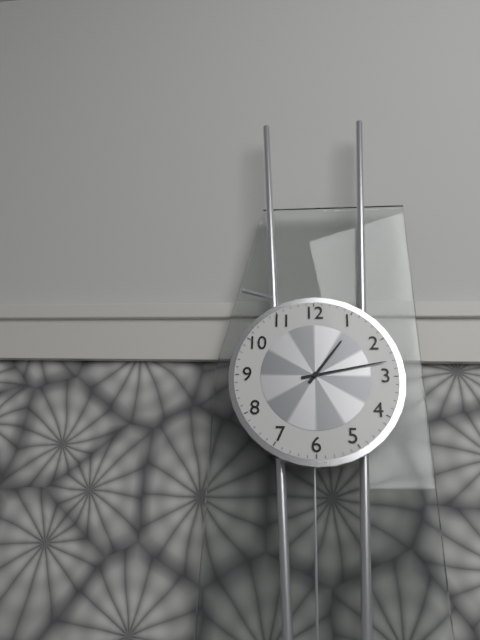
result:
1,13
